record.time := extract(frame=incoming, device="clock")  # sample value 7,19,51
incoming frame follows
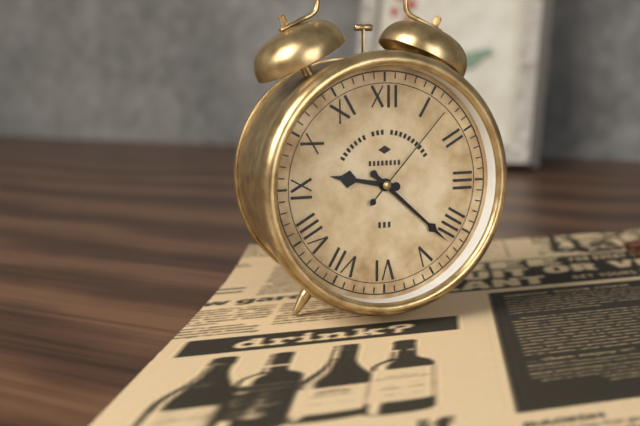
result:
9,22,07
